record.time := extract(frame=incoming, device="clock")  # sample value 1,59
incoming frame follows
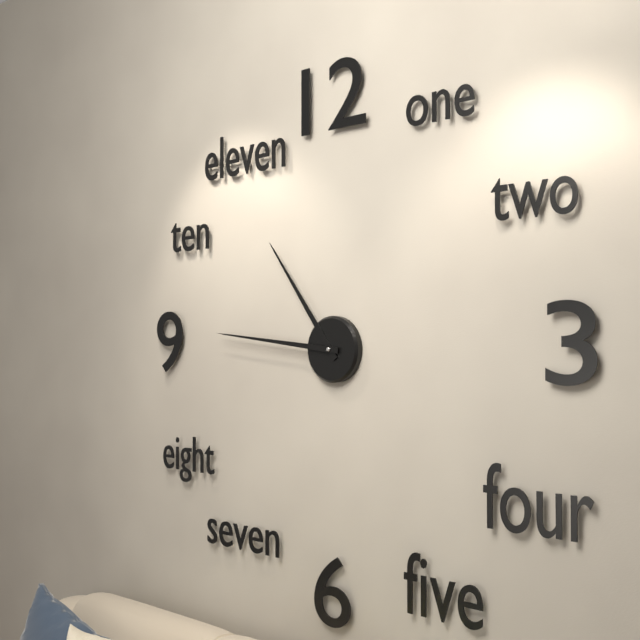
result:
10,46
